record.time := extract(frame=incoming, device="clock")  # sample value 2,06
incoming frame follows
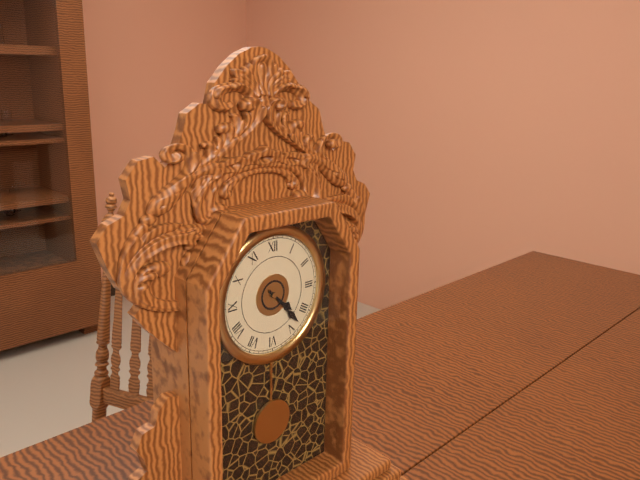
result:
4,23
